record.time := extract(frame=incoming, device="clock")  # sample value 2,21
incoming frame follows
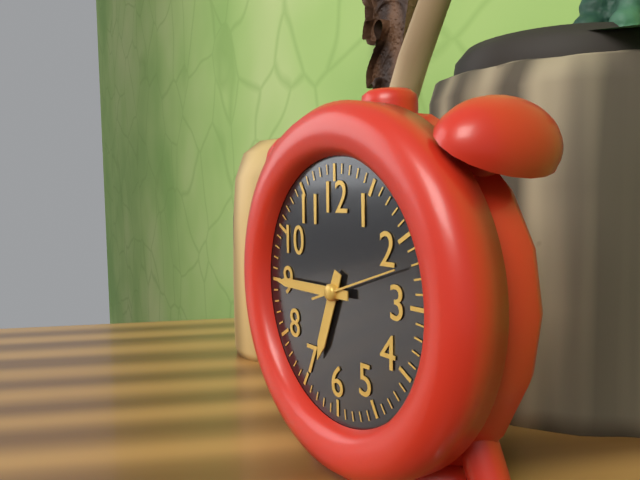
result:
6,45
